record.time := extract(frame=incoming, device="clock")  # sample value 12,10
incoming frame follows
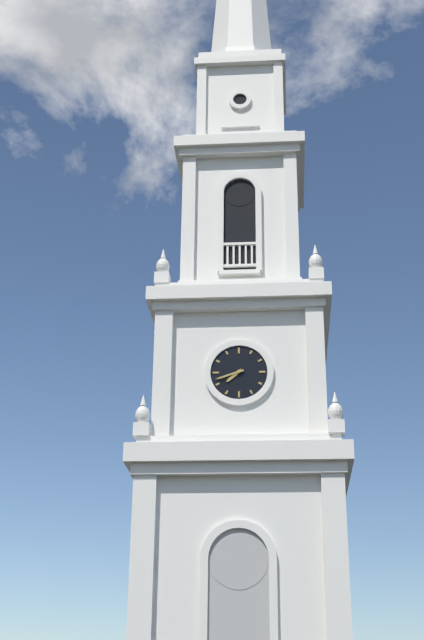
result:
7,42
